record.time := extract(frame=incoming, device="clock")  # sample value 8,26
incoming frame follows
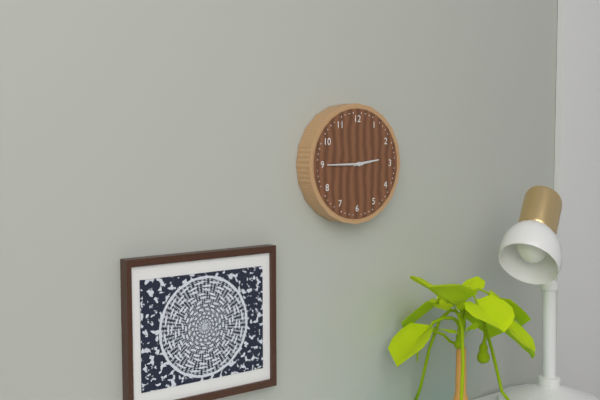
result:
2,45
